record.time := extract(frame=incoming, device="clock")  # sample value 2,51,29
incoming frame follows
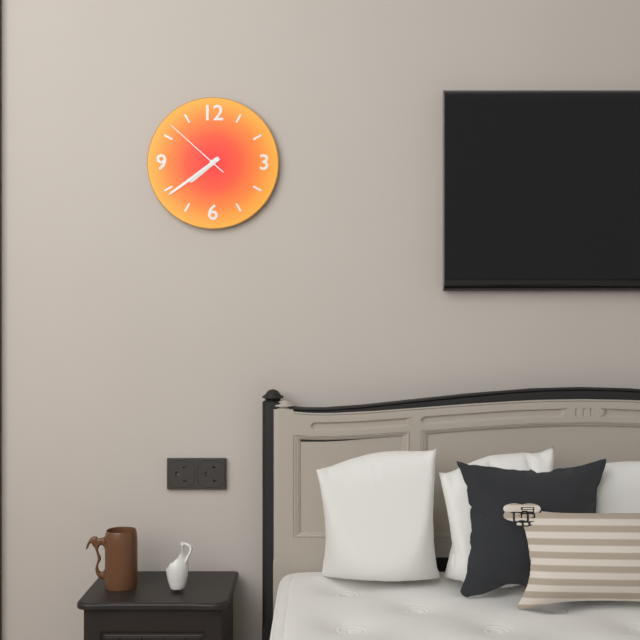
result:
7,39,52
